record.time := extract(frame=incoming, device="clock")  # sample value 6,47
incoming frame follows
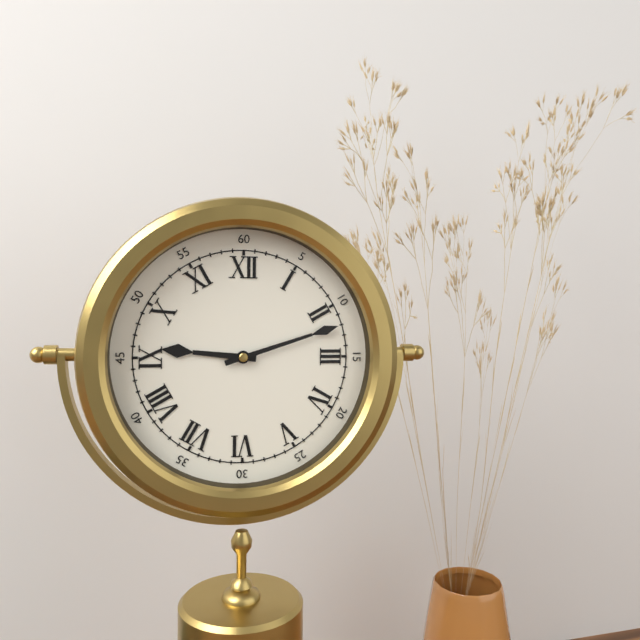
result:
9,12
